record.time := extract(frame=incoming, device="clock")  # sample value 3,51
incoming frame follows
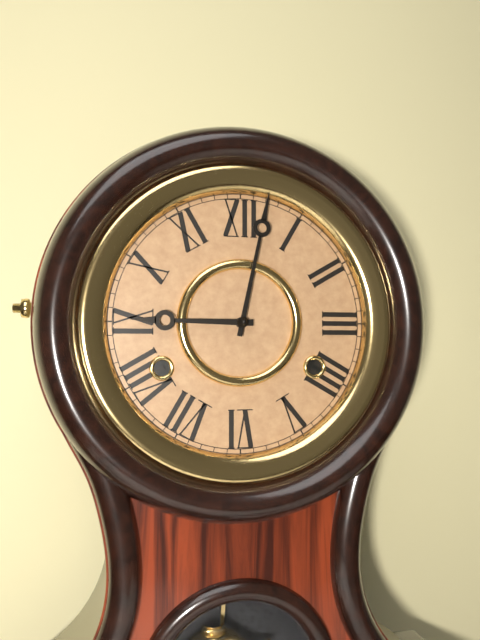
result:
9,02
